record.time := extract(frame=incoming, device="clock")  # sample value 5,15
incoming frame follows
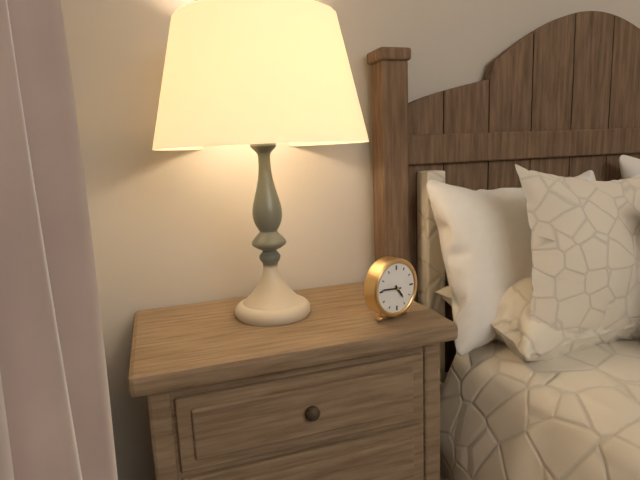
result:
4,46
